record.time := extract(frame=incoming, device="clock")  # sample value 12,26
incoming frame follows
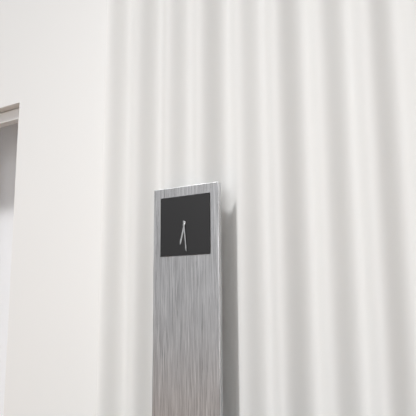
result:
6,29
